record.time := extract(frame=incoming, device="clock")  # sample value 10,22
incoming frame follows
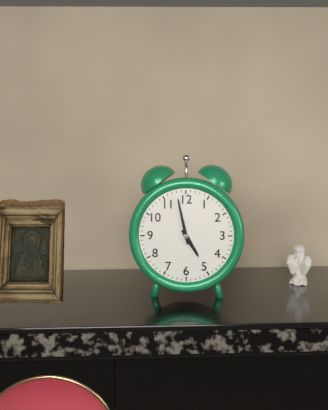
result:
4,58
